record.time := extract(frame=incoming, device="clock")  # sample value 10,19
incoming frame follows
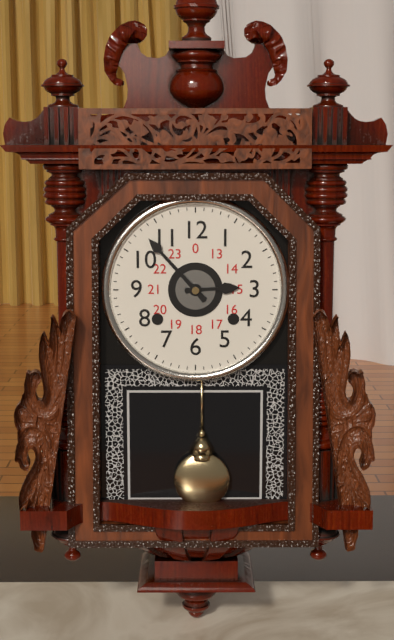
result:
2,53
